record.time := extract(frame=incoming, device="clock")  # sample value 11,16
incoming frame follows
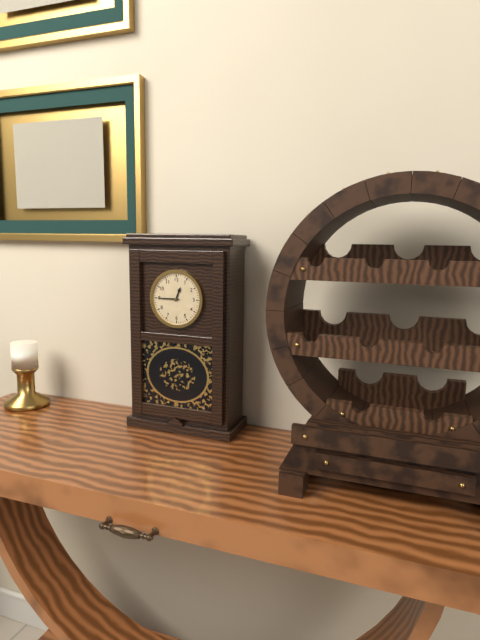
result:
12,45
